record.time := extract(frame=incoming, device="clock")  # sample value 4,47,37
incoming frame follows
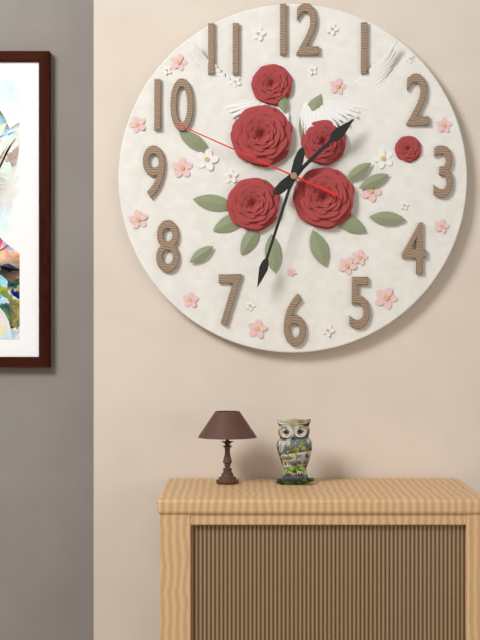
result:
1,33,49
